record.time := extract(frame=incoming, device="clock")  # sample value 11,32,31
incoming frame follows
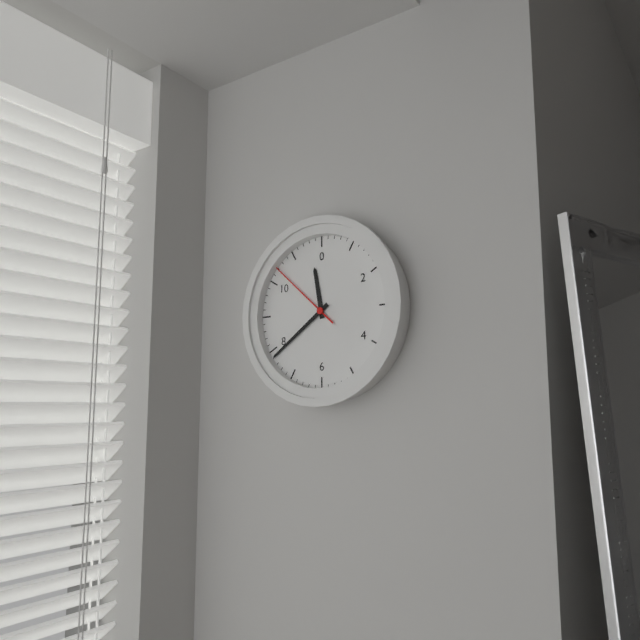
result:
11,39,52
